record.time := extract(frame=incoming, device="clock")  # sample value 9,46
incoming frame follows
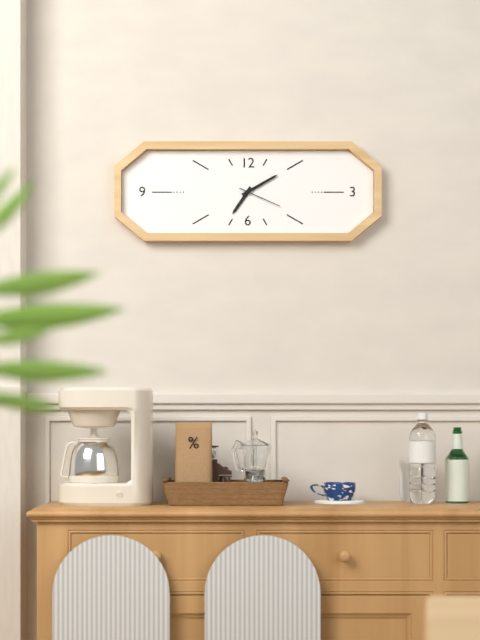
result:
7,10
